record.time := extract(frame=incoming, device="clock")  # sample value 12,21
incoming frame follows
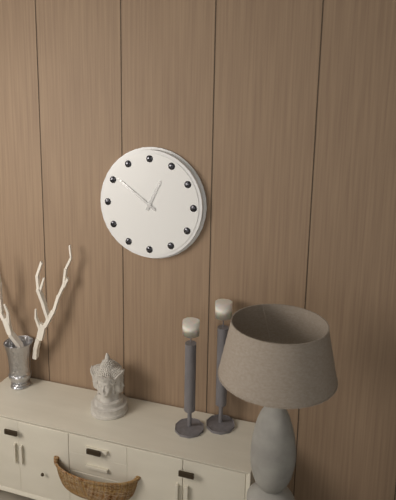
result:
12,51
